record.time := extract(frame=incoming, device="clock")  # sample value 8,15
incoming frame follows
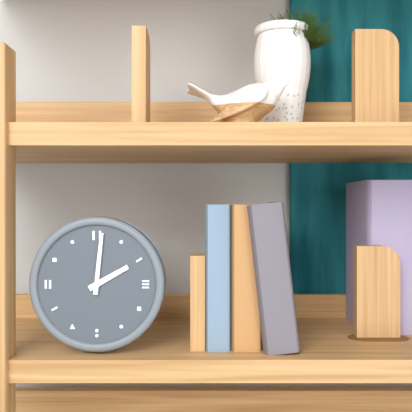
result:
2,01
